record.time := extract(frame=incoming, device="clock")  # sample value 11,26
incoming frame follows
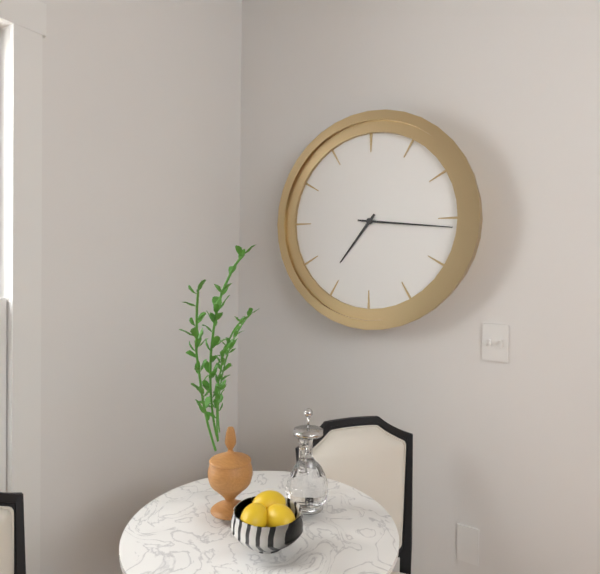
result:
7,16
